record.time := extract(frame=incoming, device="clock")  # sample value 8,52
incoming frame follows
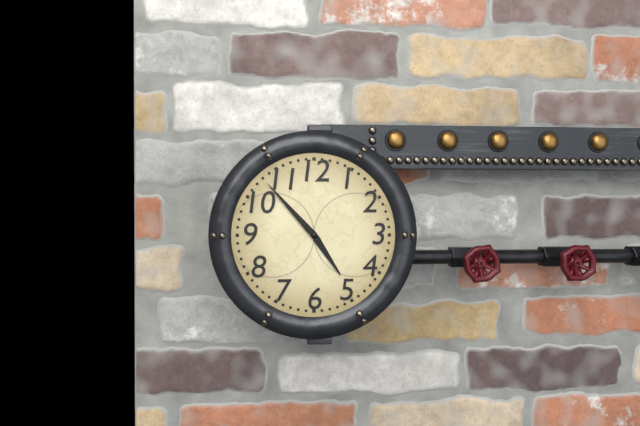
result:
4,53
